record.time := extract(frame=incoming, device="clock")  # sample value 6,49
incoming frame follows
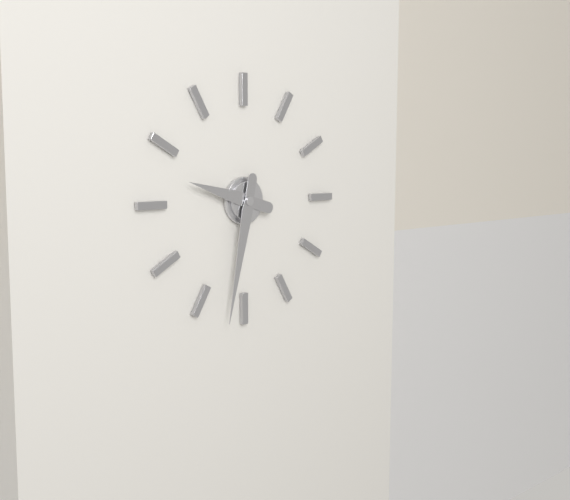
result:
9,32
